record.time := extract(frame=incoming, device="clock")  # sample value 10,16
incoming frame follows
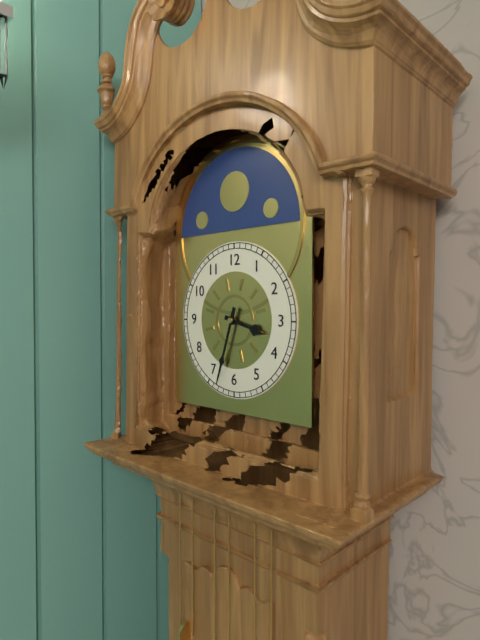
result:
3,33
